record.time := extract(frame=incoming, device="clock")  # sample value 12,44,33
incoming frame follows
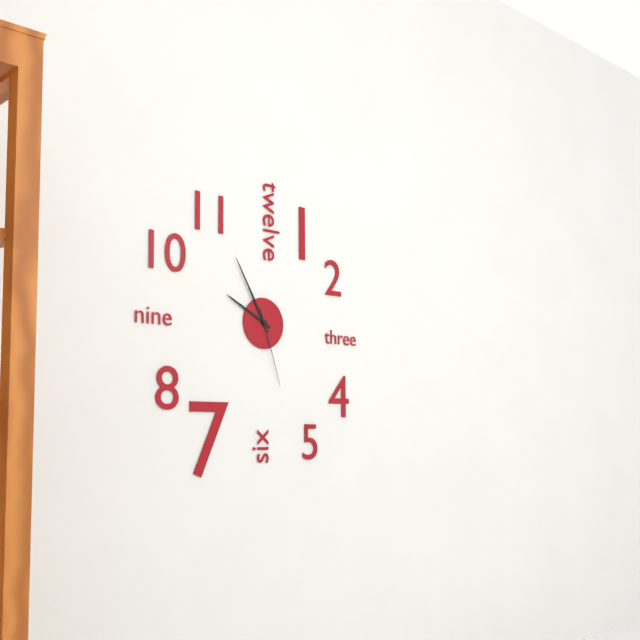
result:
9,55,27
